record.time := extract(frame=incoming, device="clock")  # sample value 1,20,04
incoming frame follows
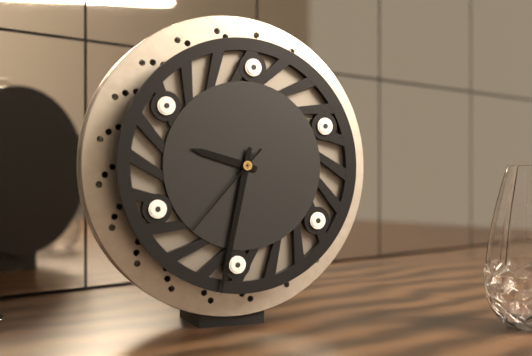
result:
9,32,37
